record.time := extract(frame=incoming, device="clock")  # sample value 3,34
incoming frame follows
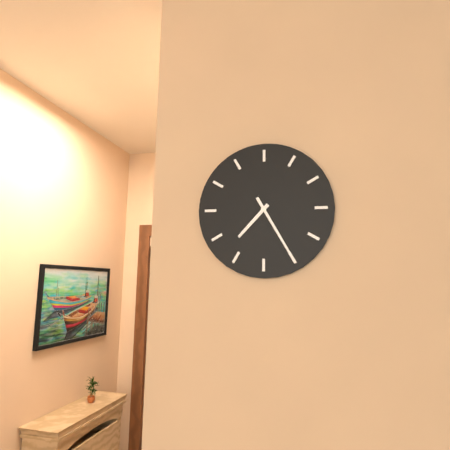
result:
7,25
